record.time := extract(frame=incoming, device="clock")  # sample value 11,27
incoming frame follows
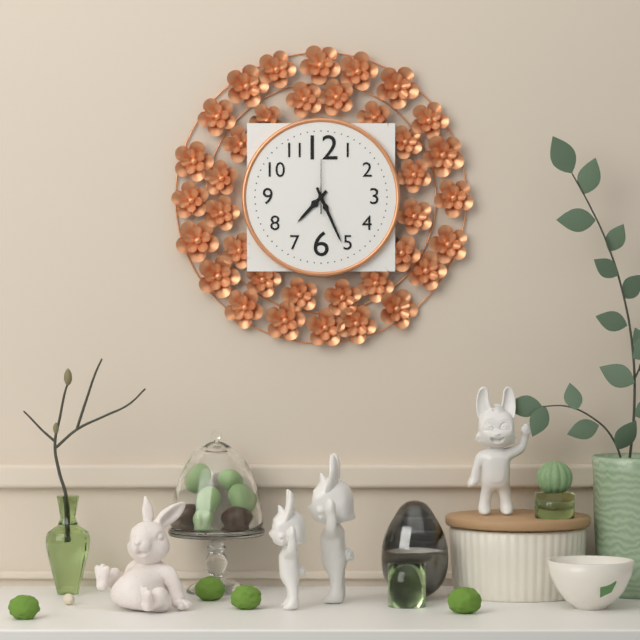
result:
7,26
